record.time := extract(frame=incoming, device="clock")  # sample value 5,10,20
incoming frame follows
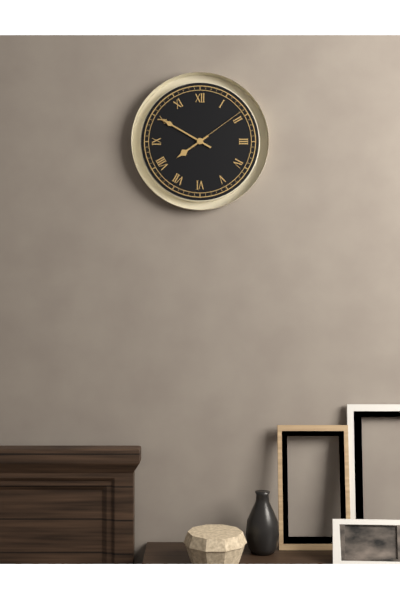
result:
7,50,09
